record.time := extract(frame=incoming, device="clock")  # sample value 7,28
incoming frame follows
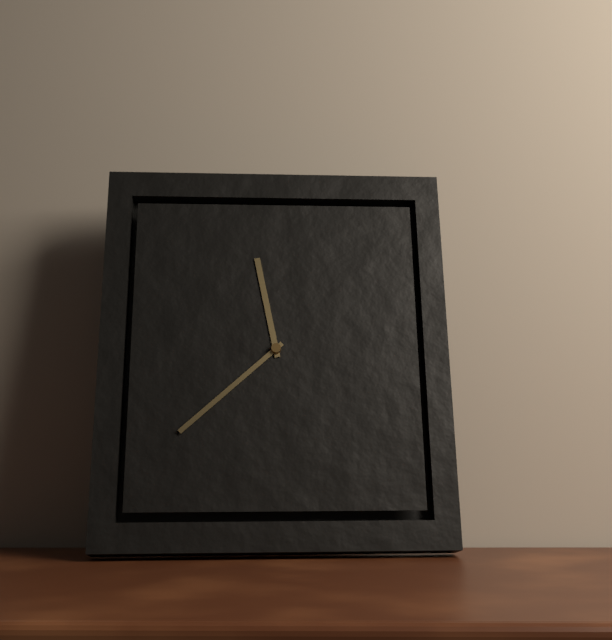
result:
11,38
